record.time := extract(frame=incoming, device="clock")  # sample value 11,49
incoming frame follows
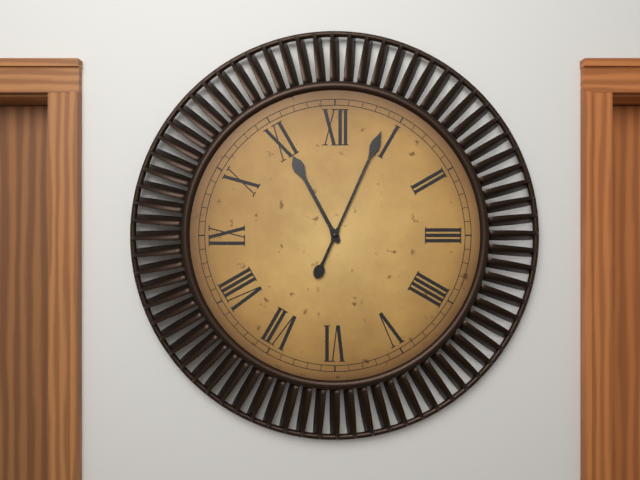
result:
11,04
